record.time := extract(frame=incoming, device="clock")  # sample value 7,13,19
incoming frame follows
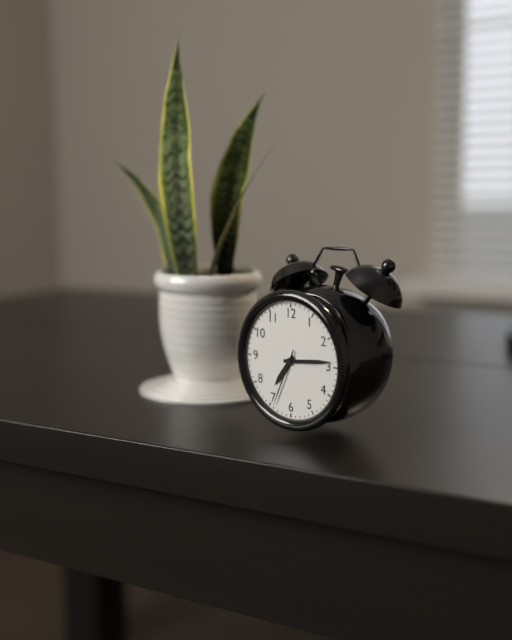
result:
7,14,34
